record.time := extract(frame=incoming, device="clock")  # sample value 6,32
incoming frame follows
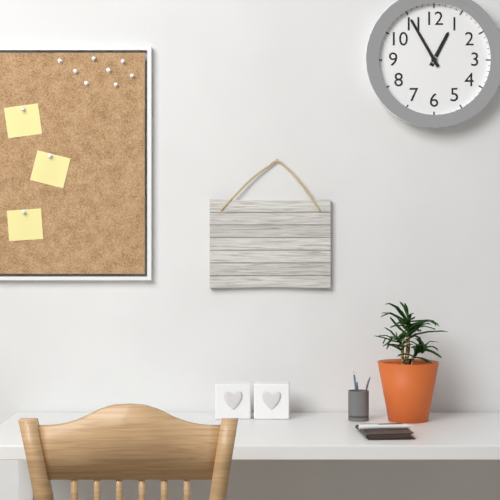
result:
12,55
